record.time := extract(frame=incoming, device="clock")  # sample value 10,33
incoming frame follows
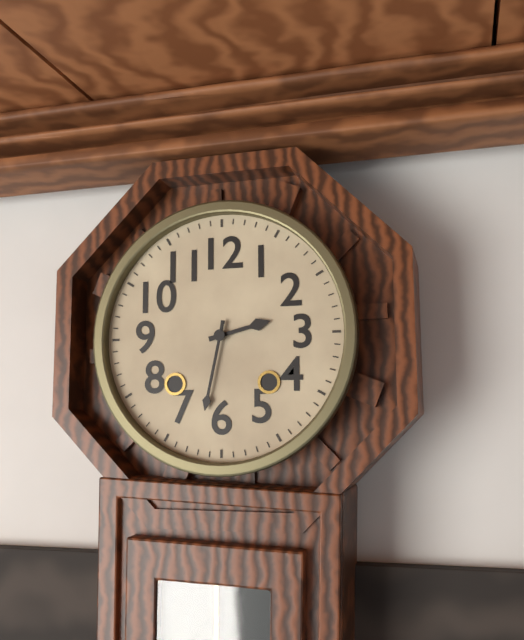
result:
2,32
